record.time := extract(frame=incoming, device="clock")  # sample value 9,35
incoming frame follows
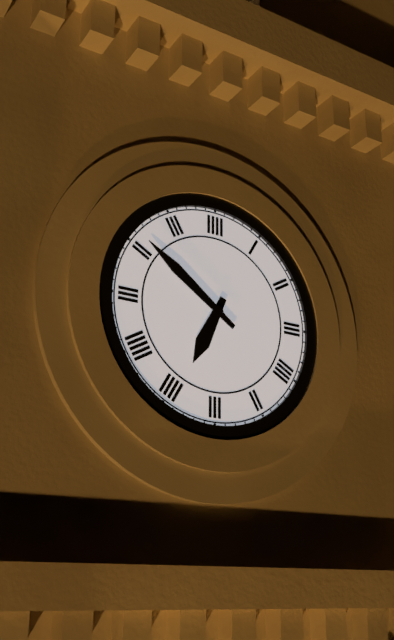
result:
6,51
